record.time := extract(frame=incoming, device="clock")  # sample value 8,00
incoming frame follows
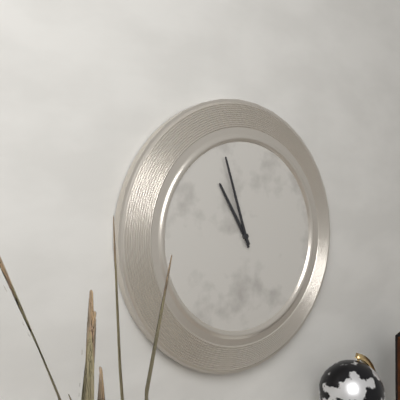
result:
10,57
